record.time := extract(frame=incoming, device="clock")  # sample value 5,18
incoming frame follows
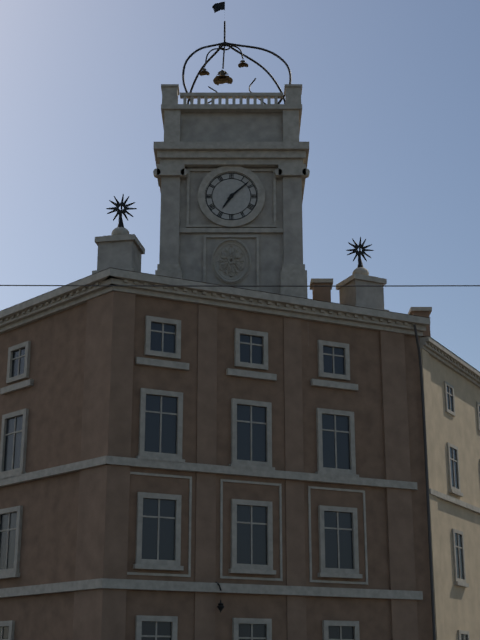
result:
7,08
